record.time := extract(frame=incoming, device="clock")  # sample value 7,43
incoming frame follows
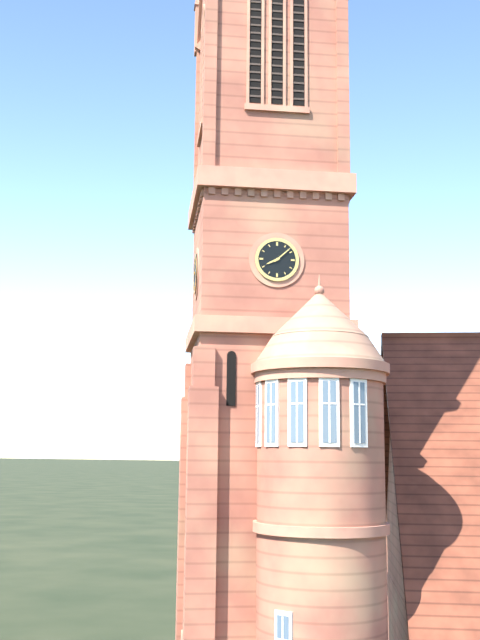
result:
8,08
